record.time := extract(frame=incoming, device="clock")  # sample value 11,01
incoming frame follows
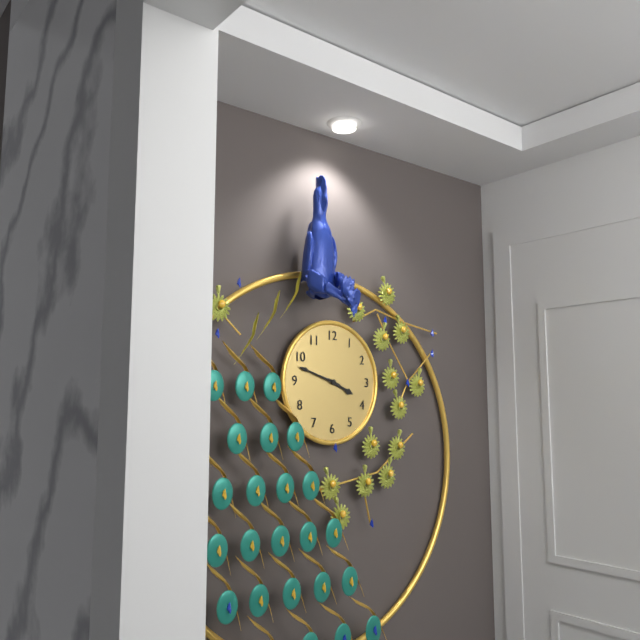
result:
3,48
